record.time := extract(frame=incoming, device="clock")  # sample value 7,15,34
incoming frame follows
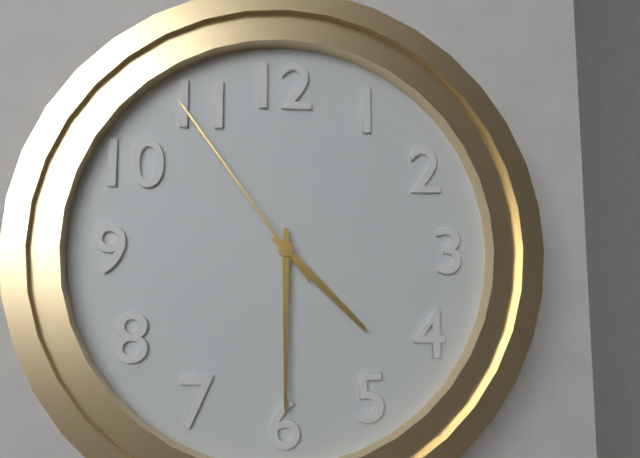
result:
4,30,54
